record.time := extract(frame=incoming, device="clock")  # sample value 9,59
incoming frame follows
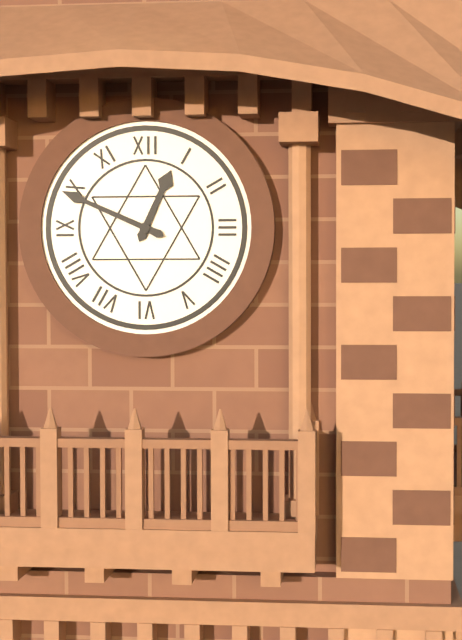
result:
12,49
